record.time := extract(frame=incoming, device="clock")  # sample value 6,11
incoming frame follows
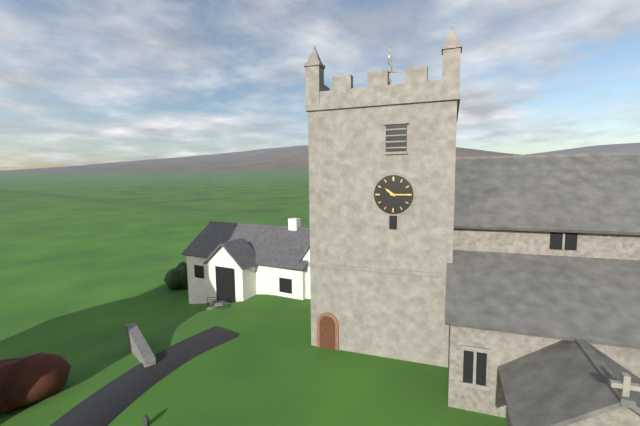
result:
10,15
